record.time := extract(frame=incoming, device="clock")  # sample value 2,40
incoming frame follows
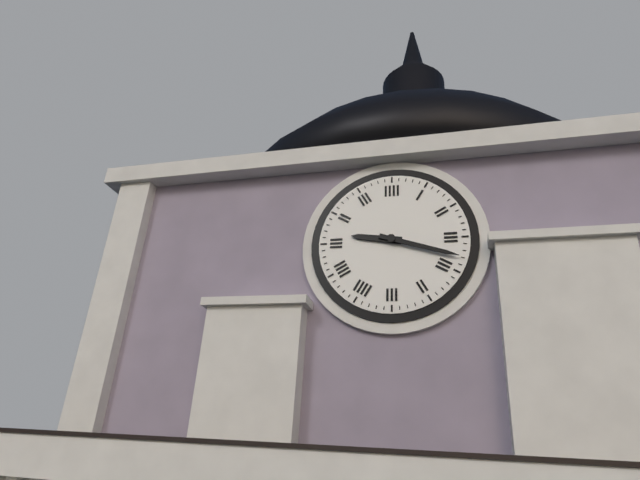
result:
9,18
